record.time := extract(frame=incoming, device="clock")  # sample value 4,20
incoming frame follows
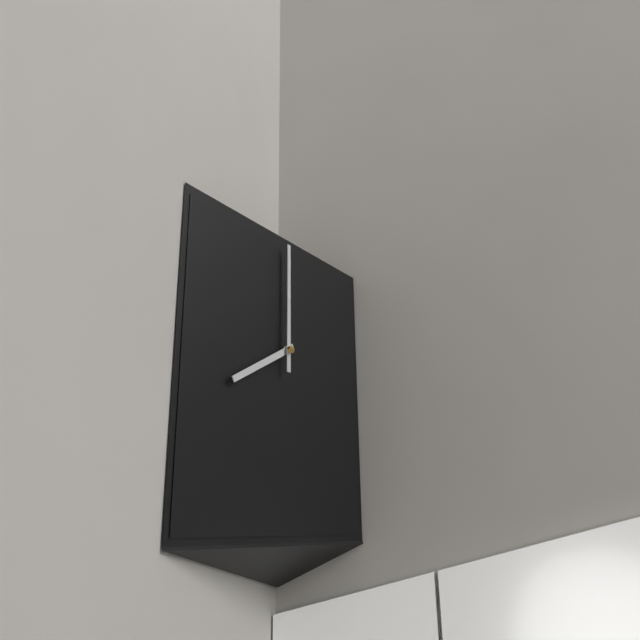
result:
8,00
